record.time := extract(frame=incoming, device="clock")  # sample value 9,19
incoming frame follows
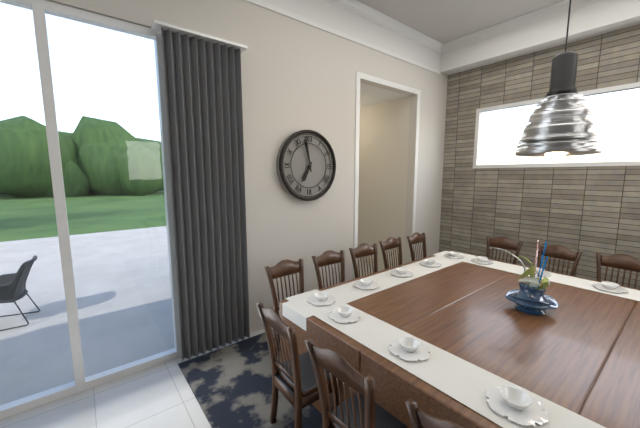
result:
6,58
